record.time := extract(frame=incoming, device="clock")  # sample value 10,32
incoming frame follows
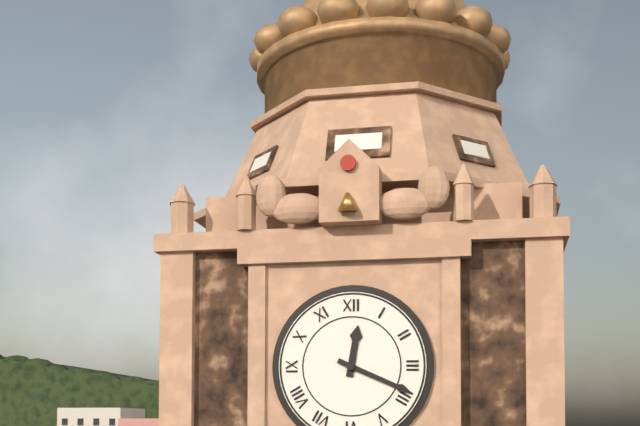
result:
12,19
